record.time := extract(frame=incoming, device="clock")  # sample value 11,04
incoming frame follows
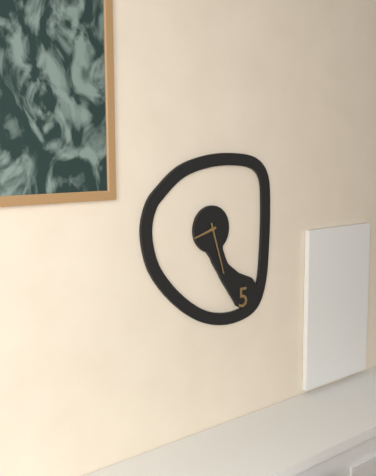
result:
8,27
